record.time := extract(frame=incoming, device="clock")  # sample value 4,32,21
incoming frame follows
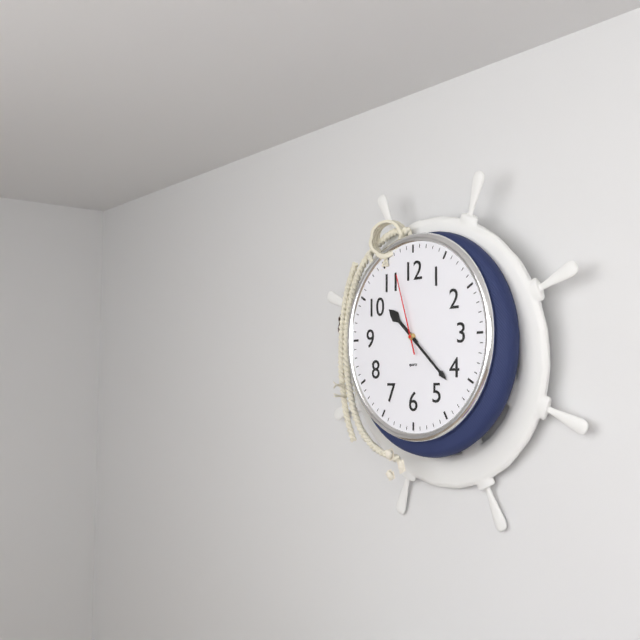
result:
10,22,57
